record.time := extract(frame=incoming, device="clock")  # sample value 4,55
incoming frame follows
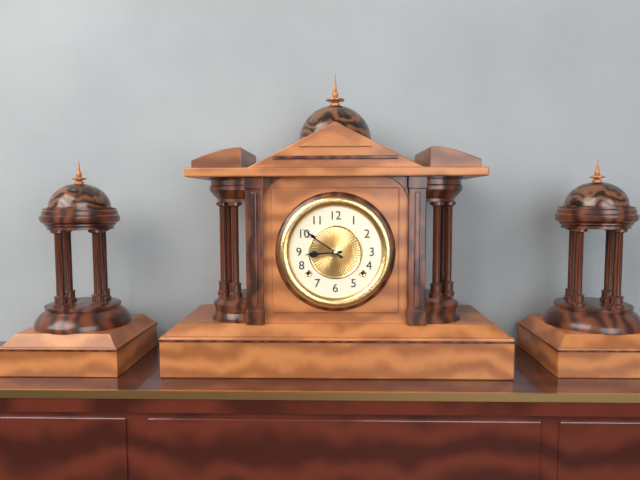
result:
8,51
